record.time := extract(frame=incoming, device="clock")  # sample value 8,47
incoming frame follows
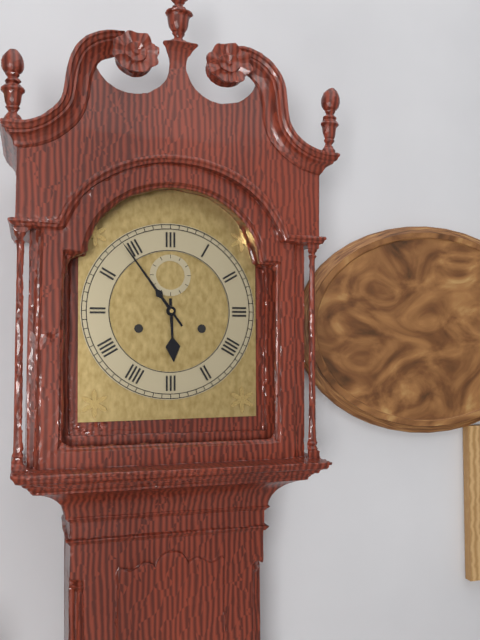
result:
5,54
